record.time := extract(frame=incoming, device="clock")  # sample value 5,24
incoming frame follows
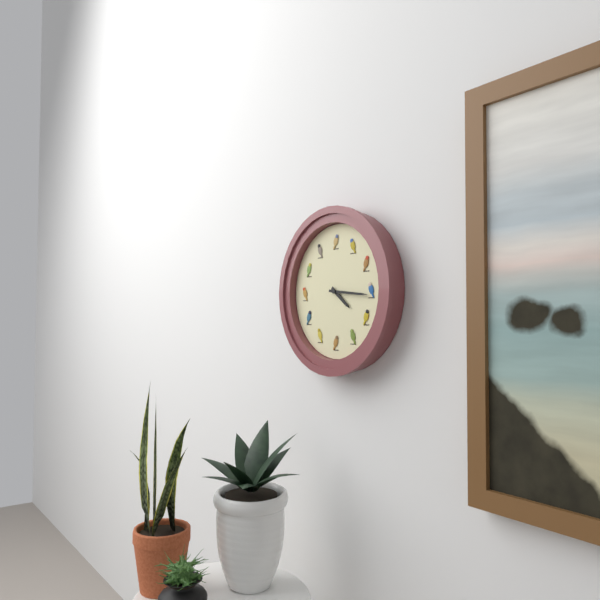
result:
4,16
